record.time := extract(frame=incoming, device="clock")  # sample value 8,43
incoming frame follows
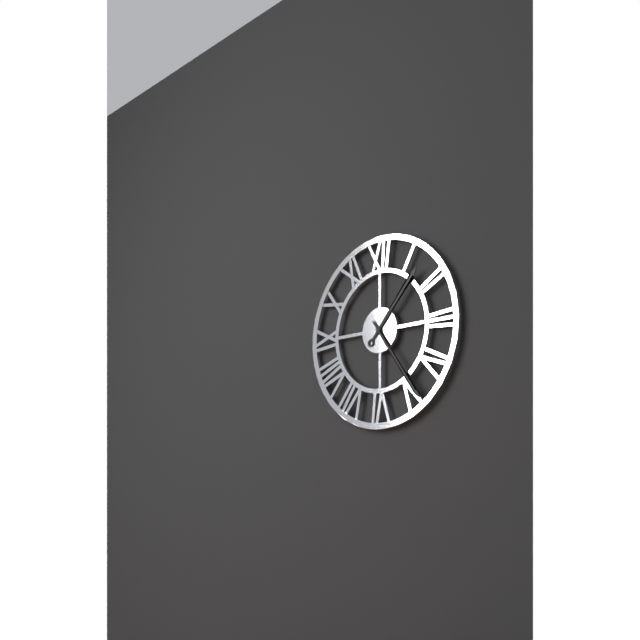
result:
1,24
